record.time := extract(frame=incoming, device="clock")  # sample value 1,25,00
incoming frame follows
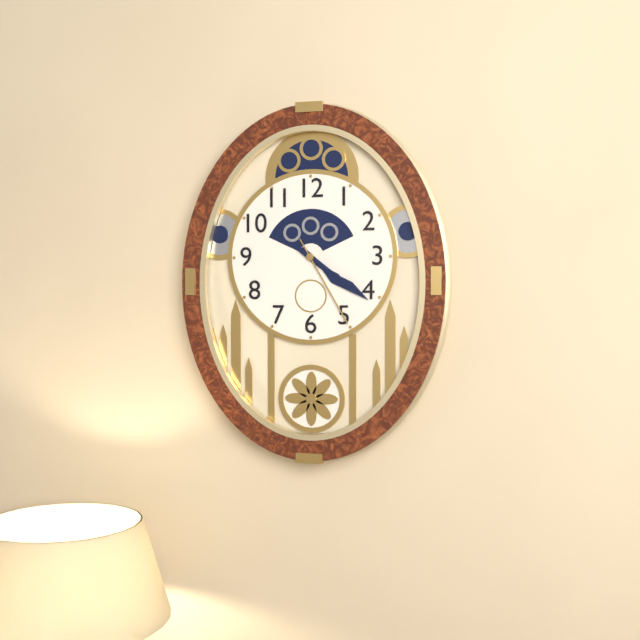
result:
4,21,25
